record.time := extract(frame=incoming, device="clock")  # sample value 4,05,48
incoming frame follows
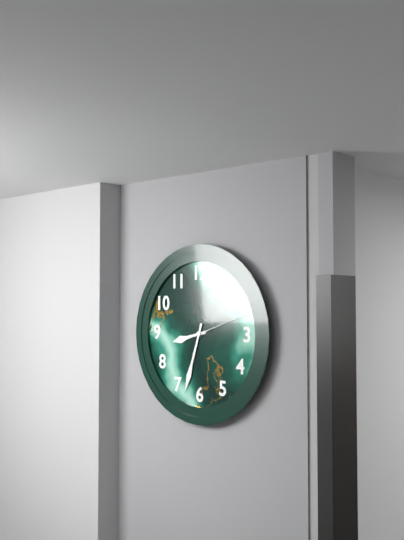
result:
8,33,12
